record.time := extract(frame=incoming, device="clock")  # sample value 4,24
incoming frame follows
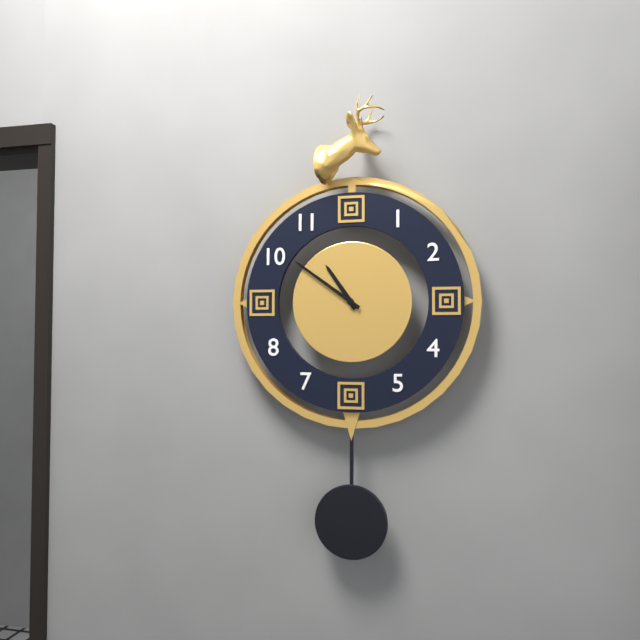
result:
10,51
